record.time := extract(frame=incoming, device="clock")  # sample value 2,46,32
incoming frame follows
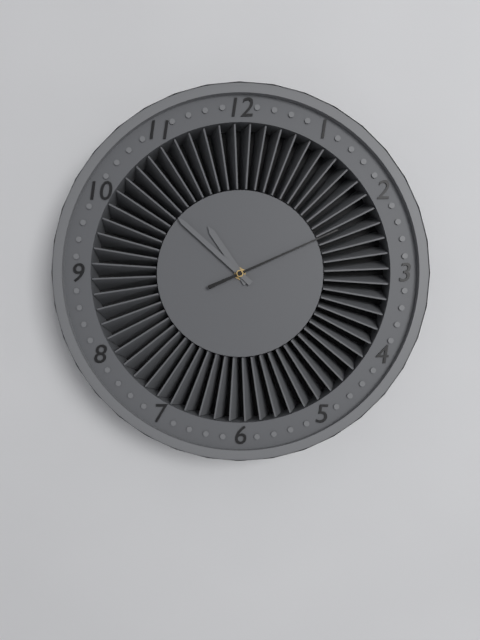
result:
10,52,11
